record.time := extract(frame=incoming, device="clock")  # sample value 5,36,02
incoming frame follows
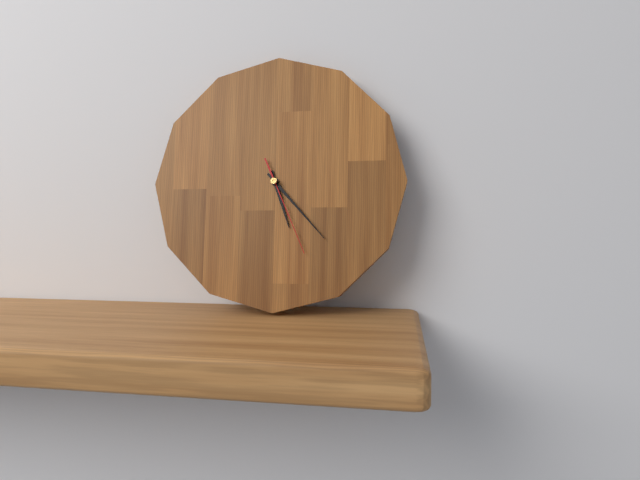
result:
5,23,26
